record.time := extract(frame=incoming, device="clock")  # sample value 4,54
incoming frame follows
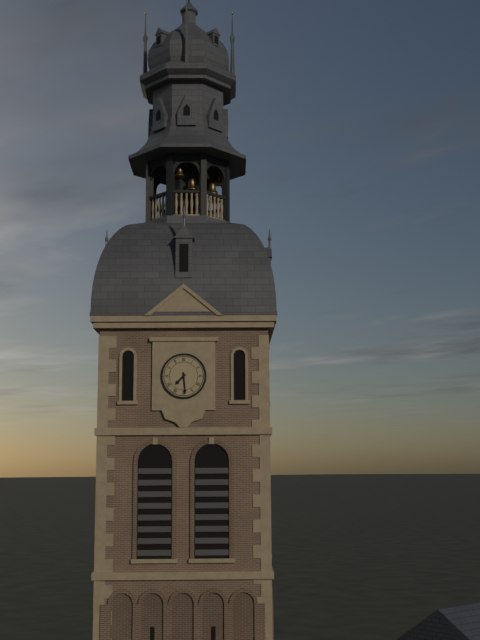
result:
7,29
